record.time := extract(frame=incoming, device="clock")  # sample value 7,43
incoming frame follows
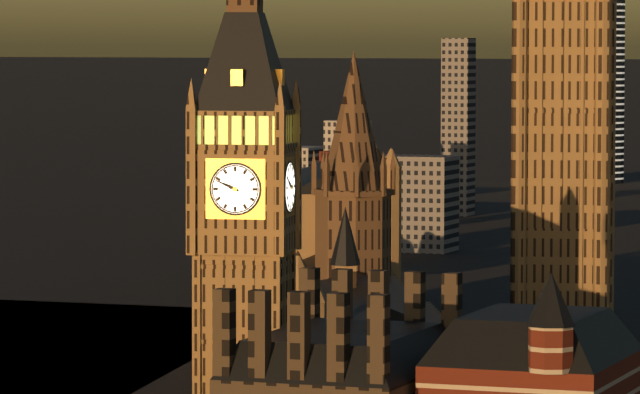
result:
9,49
